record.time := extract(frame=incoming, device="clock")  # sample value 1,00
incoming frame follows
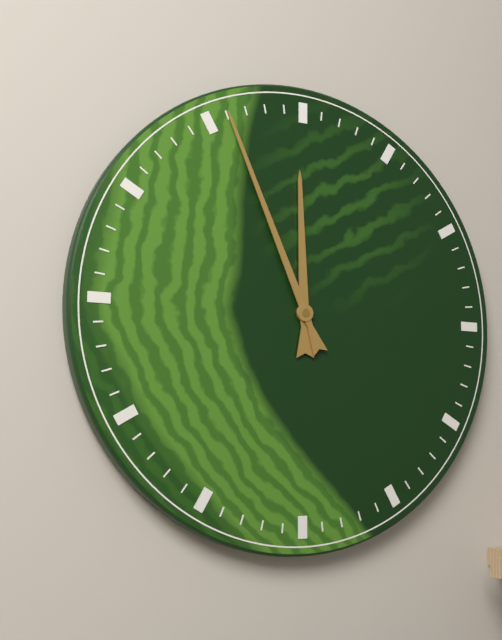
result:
11,56
